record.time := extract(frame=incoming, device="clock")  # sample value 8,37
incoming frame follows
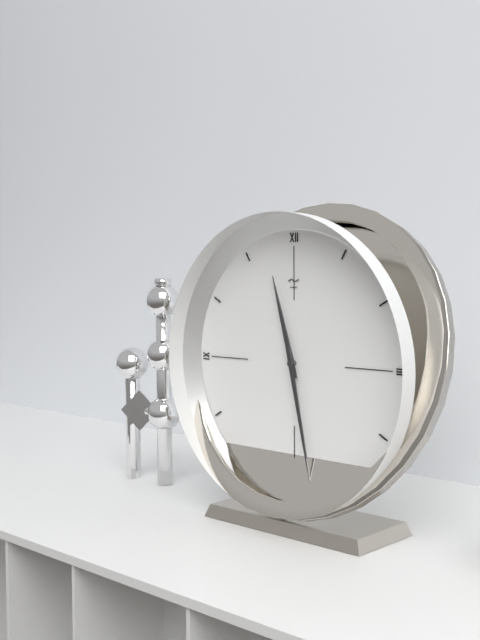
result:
11,28
